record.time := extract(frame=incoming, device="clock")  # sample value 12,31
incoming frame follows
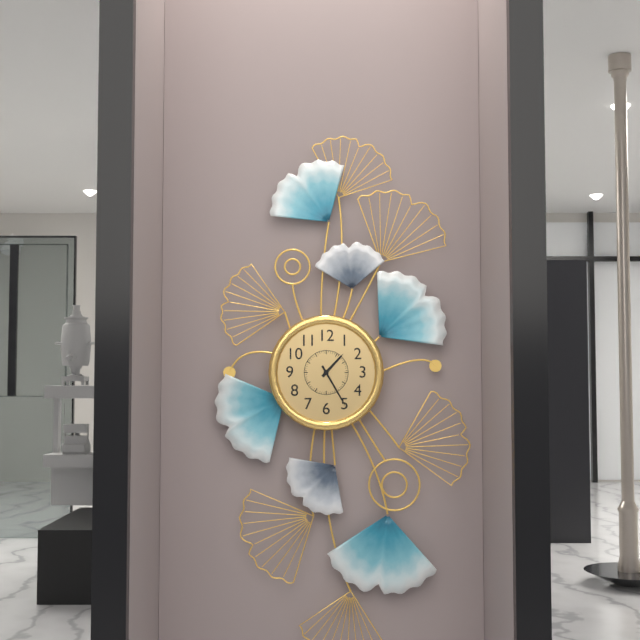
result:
1,25
